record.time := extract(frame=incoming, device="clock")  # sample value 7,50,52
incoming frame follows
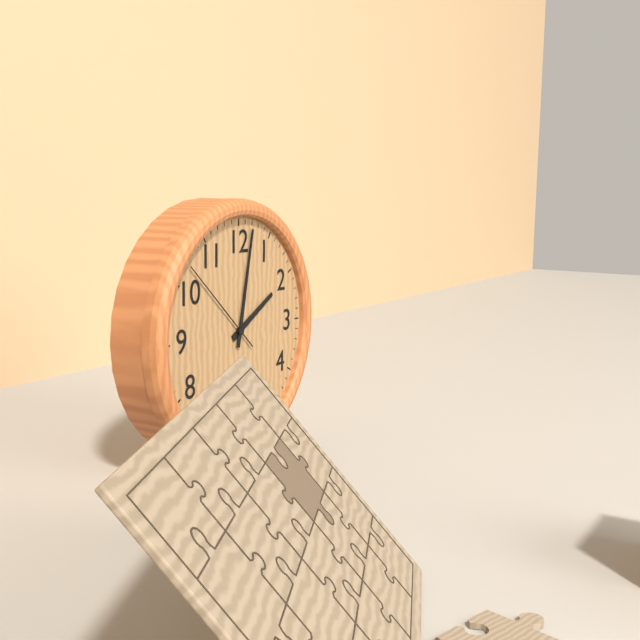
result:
2,02,52
